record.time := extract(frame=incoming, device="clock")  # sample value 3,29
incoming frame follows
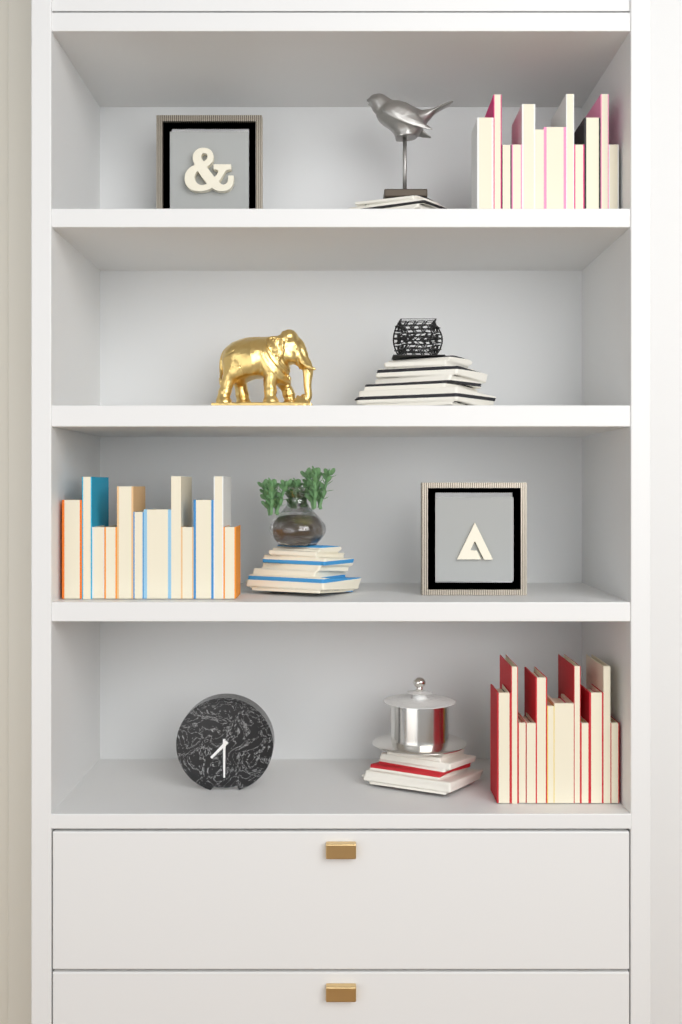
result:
7,30
